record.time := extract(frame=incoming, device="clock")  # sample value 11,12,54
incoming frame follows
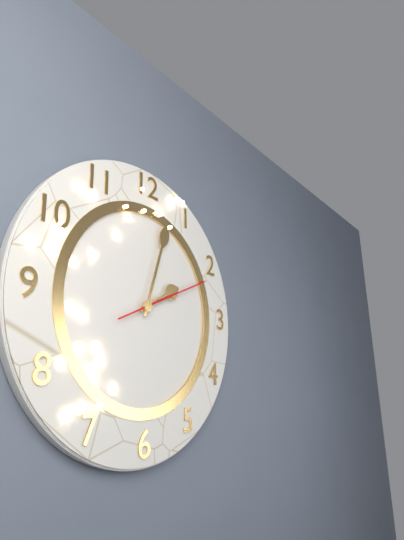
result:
2,03,11
